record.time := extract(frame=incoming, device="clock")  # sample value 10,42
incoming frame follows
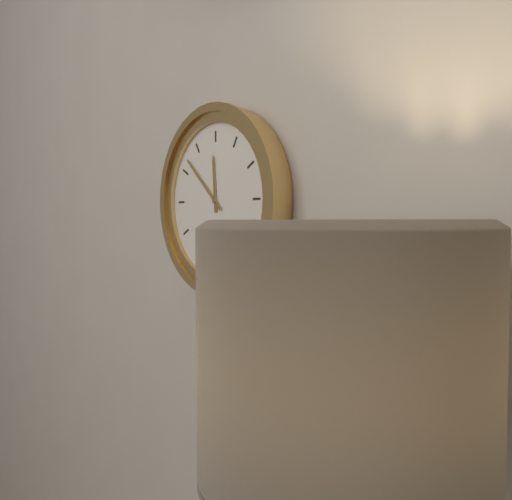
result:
11,52
